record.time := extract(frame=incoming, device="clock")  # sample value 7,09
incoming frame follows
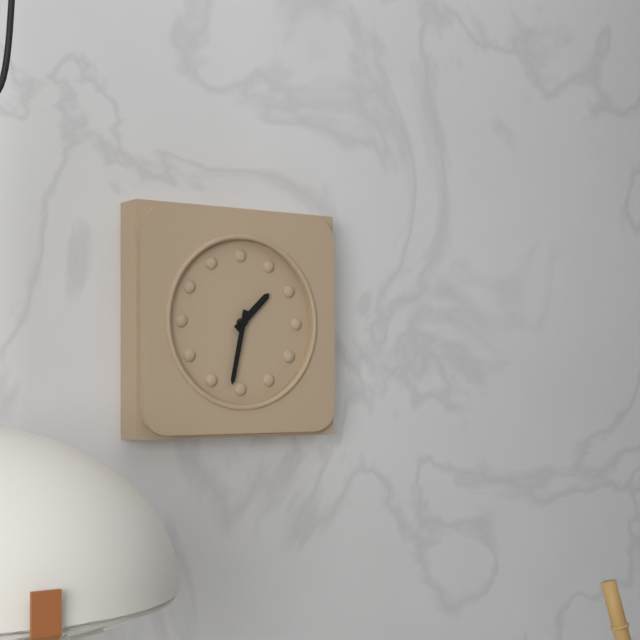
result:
1,32
